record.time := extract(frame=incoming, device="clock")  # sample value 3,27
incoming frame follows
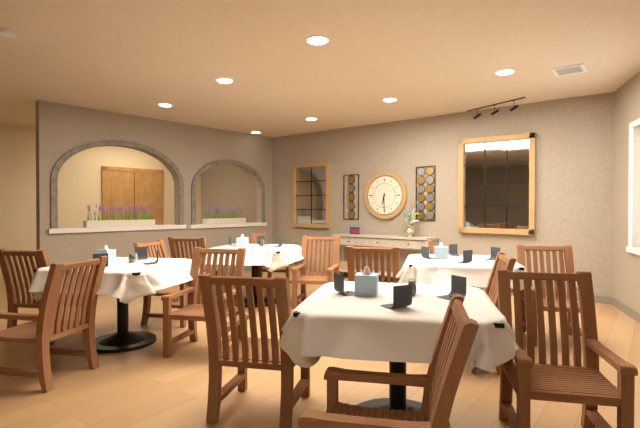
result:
6,30
